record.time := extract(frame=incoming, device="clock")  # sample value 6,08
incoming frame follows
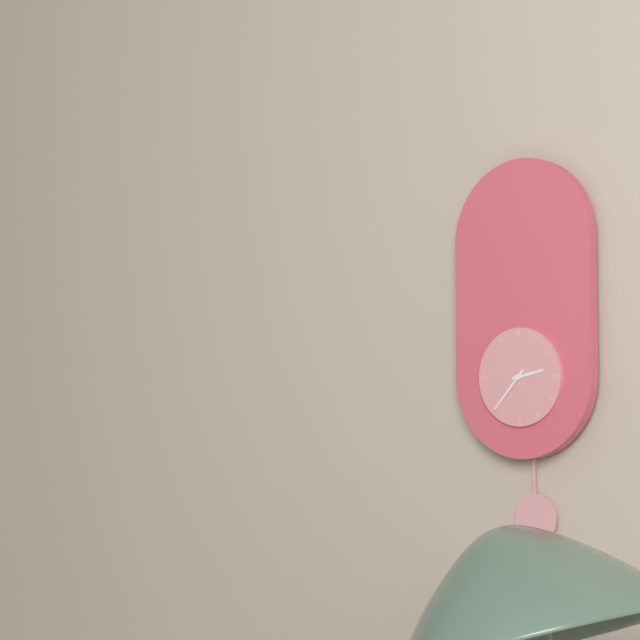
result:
2,37
